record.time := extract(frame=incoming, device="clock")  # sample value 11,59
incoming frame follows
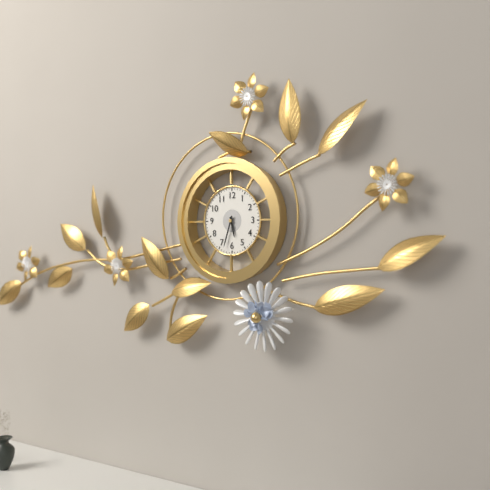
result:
5,33
